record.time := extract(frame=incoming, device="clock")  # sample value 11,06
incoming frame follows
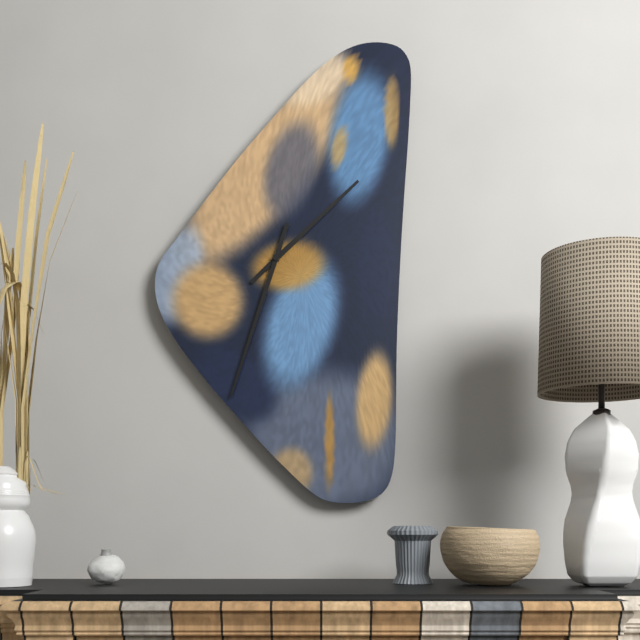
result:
1,33
